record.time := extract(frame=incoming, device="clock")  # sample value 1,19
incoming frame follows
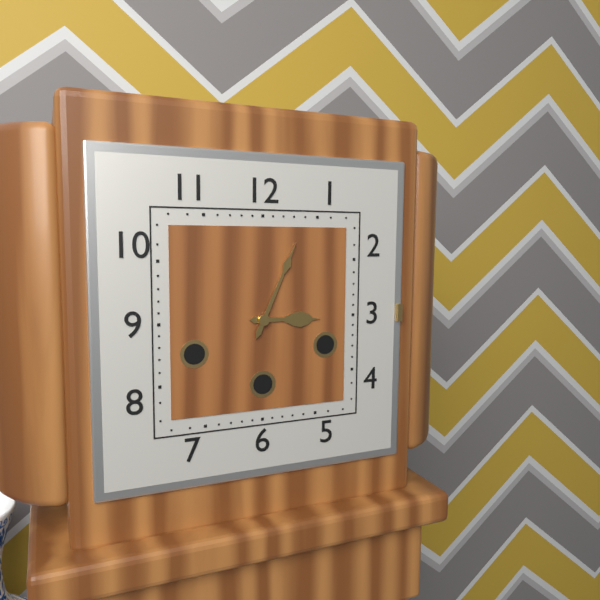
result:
3,04
